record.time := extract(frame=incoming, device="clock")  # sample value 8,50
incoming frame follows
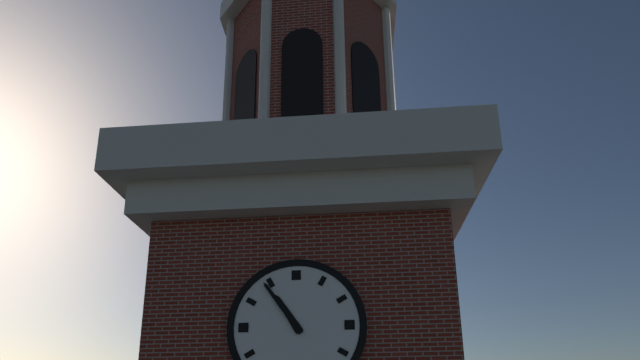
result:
10,54
